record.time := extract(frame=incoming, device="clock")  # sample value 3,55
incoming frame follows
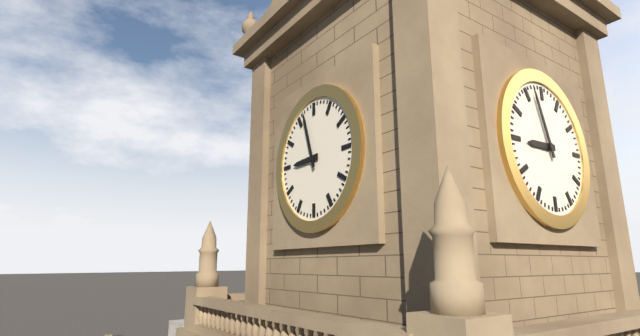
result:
8,57
